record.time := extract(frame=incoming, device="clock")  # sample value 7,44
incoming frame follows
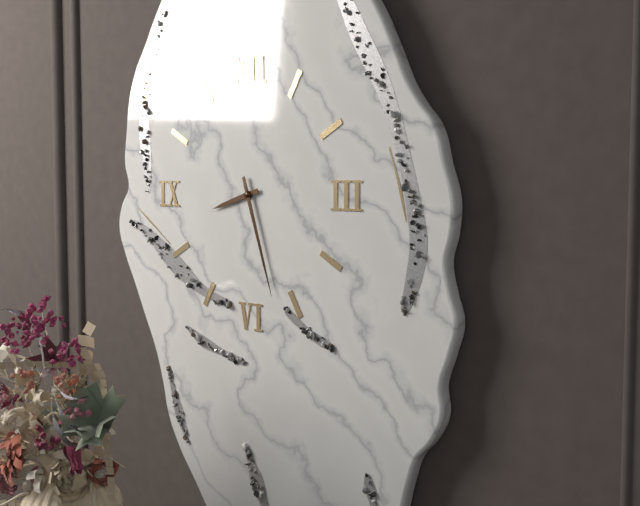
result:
8,27
